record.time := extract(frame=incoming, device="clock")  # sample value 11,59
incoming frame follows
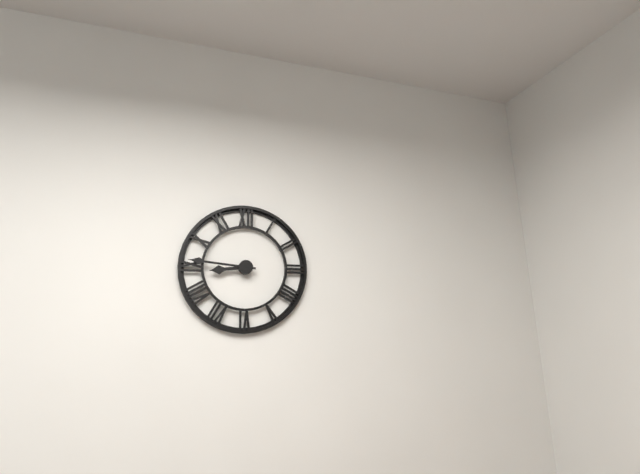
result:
8,46
